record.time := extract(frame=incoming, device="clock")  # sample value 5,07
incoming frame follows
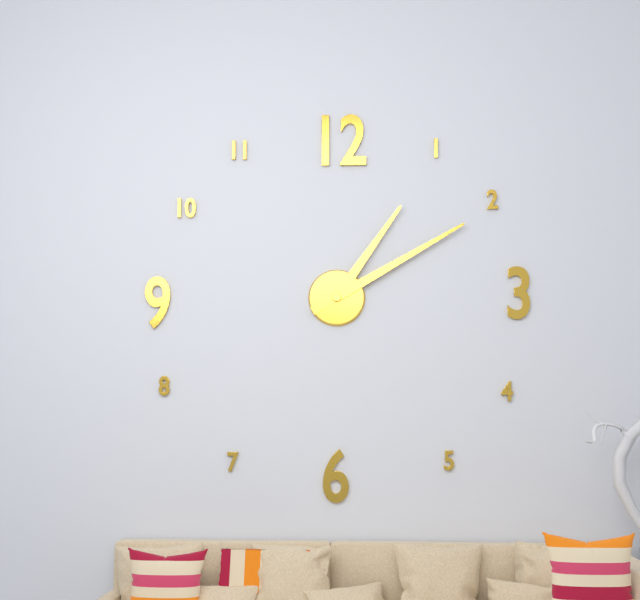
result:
1,10
